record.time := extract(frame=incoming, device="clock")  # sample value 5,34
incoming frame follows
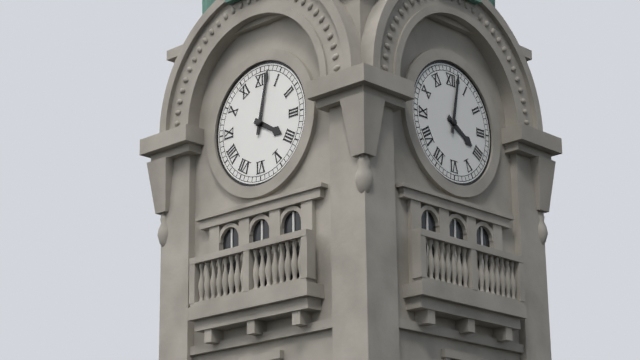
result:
4,02
